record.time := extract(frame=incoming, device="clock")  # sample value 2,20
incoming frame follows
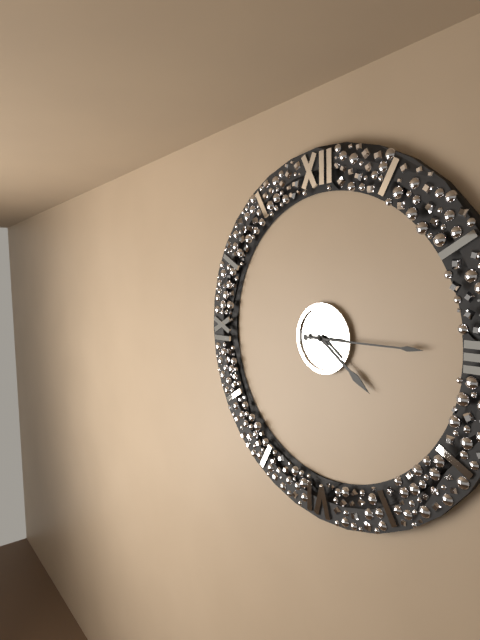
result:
4,15
